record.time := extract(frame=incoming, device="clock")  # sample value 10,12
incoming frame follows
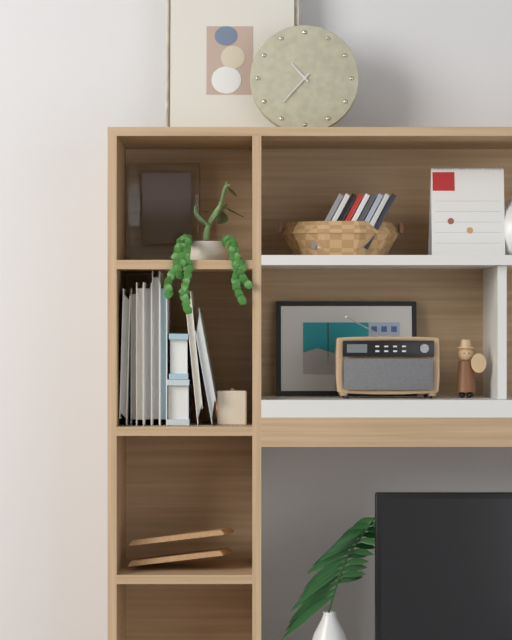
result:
10,37
